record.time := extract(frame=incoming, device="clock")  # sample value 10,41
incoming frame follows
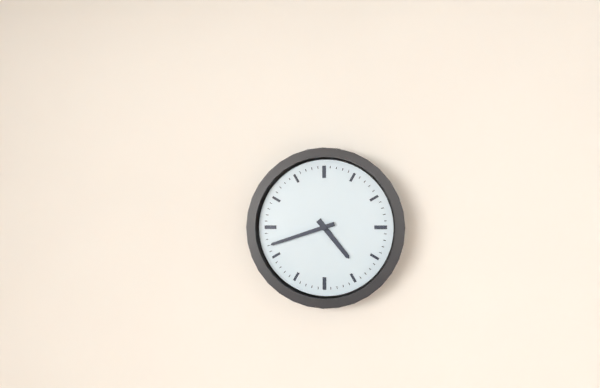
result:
4,42
